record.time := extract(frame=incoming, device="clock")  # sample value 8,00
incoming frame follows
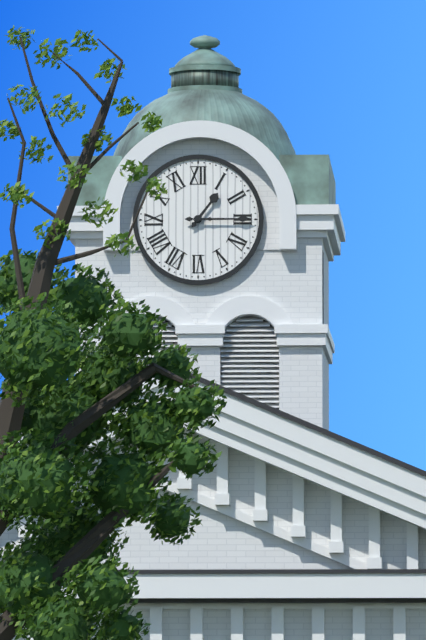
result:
1,15
